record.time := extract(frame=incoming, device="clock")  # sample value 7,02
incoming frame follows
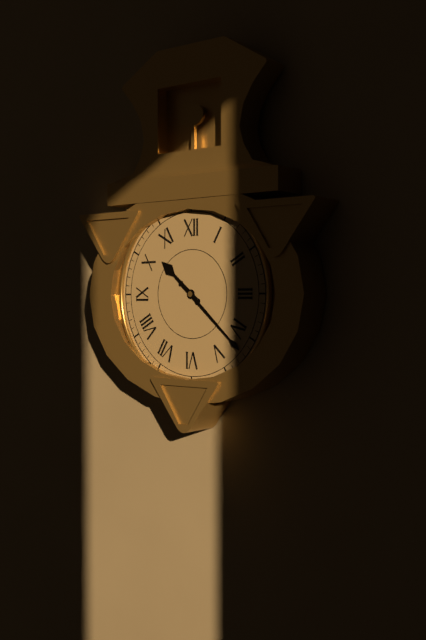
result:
10,22
